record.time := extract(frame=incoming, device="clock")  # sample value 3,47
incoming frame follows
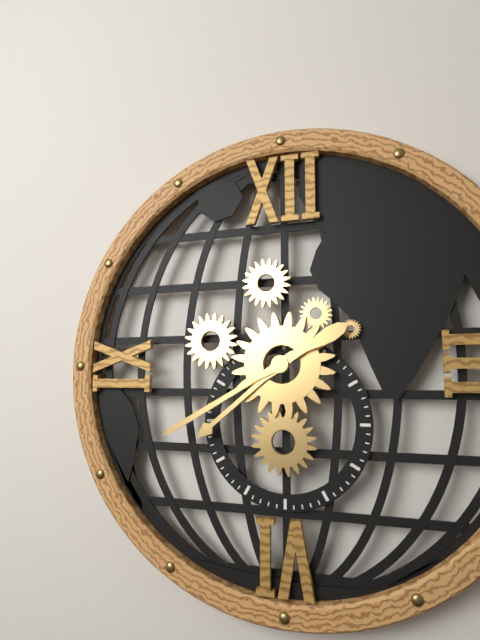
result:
7,40
